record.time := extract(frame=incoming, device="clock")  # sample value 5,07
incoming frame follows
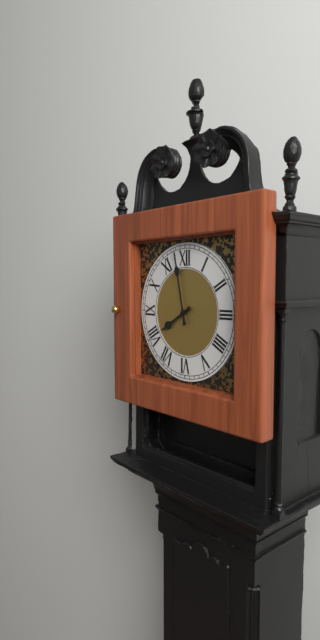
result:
7,58
